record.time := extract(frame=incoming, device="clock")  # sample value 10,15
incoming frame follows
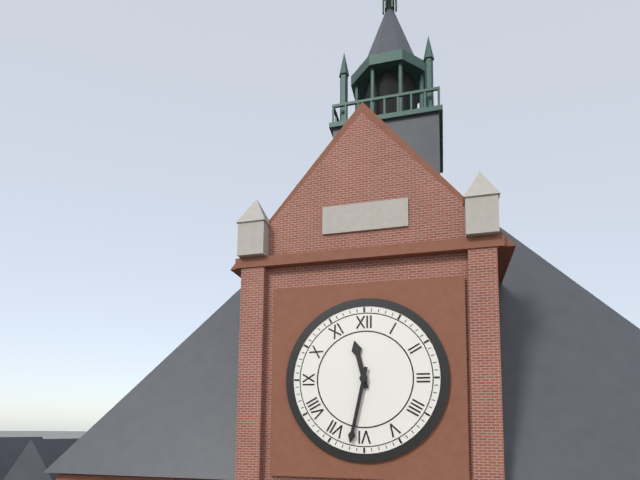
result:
11,32
